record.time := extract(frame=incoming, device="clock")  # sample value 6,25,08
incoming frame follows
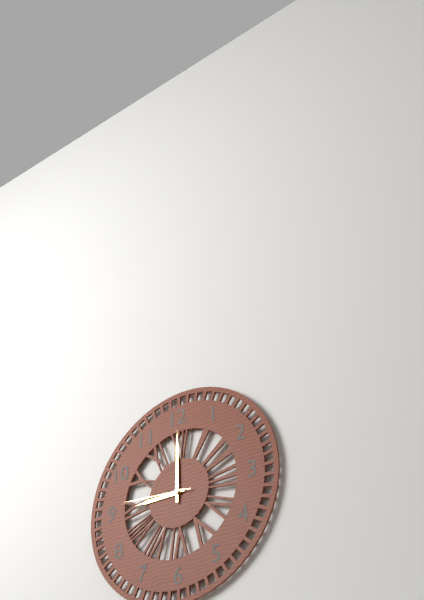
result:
9,00,46
